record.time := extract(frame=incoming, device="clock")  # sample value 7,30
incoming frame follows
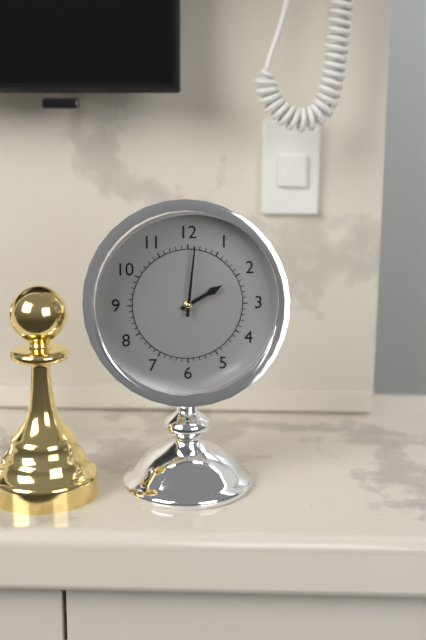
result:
2,01
